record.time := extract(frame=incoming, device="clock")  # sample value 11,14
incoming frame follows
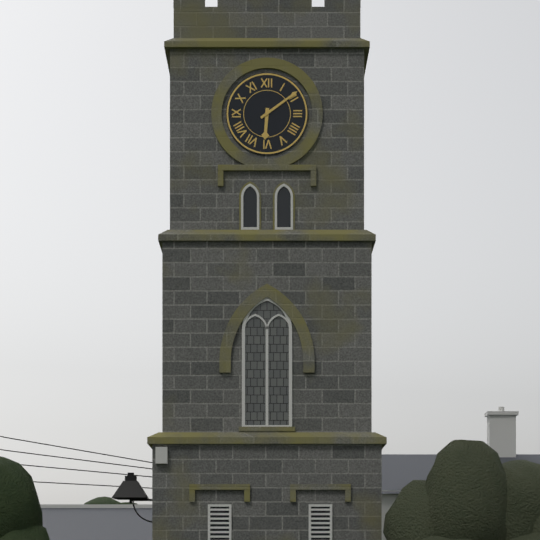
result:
6,09
